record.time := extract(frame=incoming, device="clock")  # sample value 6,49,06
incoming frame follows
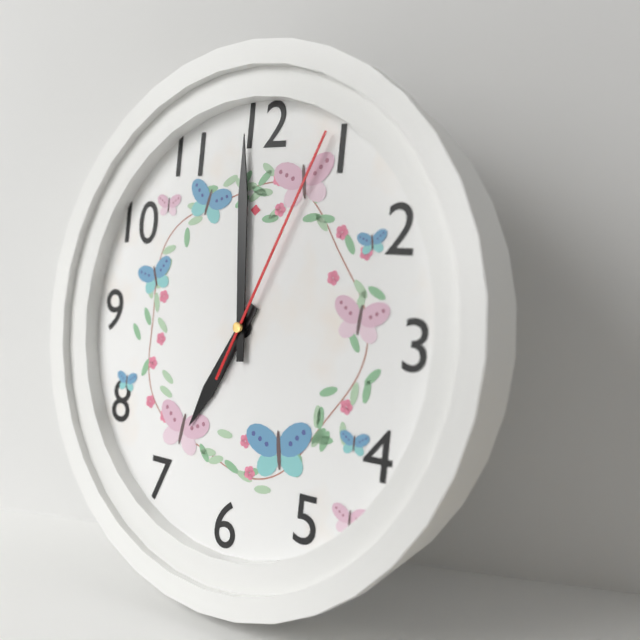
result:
6,59,04
